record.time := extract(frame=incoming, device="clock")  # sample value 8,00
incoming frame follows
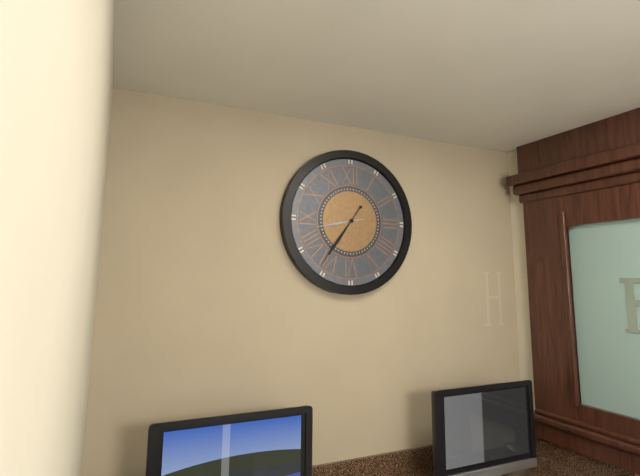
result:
8,36
